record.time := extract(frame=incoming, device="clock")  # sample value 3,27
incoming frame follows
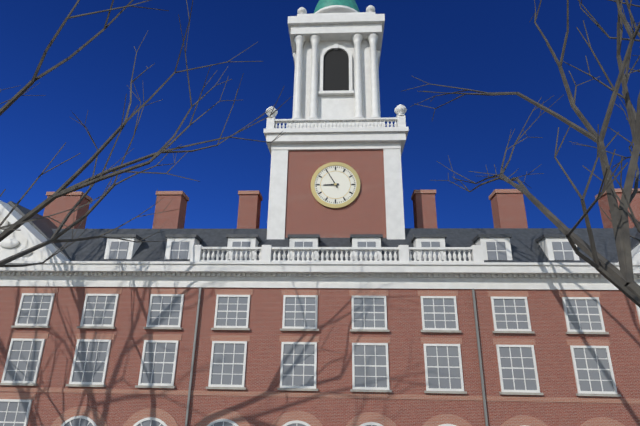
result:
8,55
